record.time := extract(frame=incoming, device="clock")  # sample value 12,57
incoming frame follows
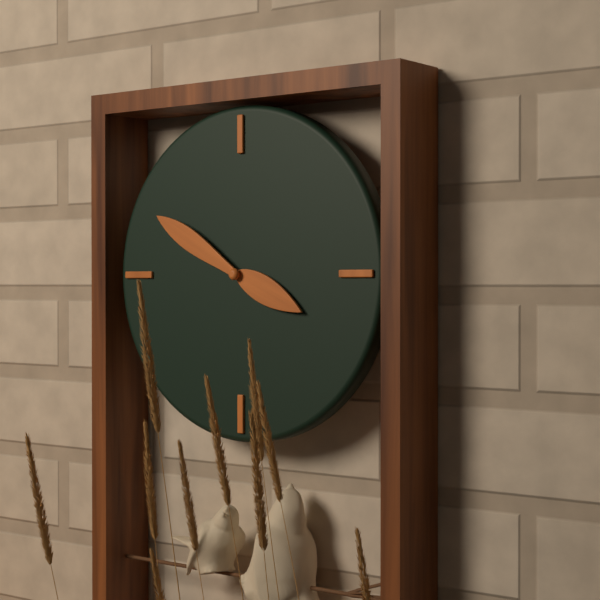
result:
3,50
